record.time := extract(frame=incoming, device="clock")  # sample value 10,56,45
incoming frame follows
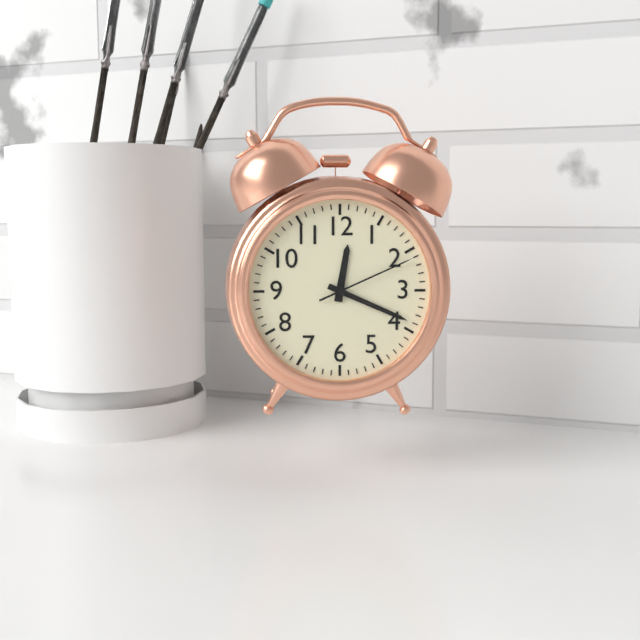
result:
12,19,11
